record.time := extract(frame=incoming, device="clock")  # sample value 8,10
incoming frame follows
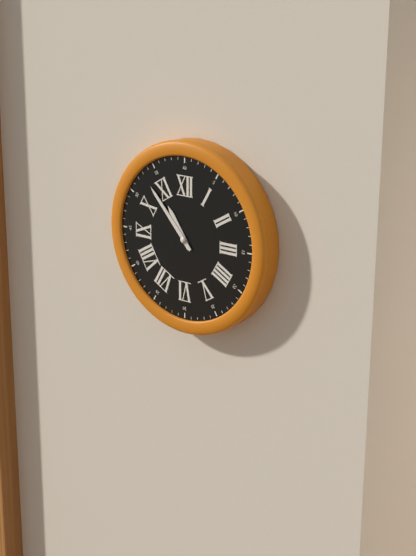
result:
10,53
